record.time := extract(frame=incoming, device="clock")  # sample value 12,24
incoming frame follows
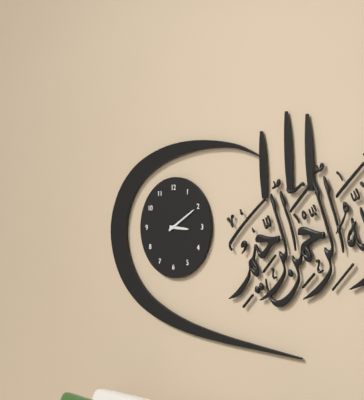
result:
3,10
